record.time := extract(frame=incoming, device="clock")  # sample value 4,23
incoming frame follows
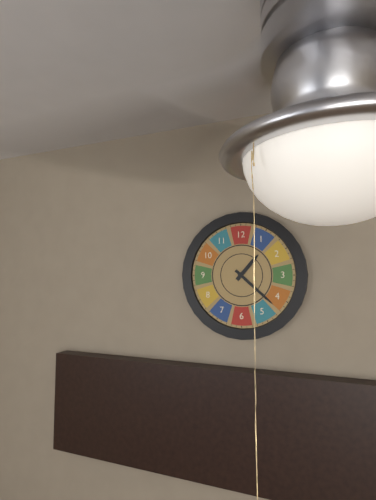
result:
1,22
